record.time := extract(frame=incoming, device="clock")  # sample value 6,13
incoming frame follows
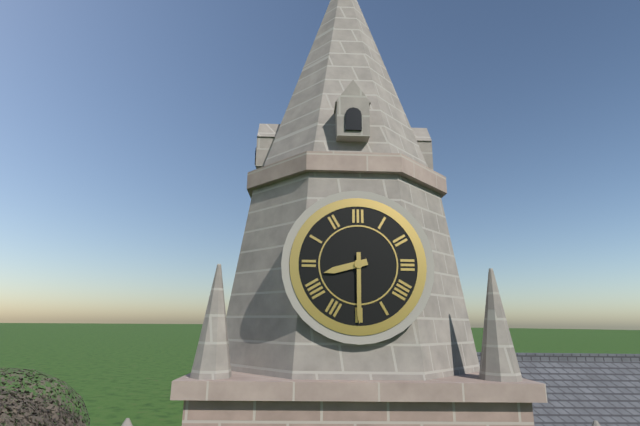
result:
8,30
